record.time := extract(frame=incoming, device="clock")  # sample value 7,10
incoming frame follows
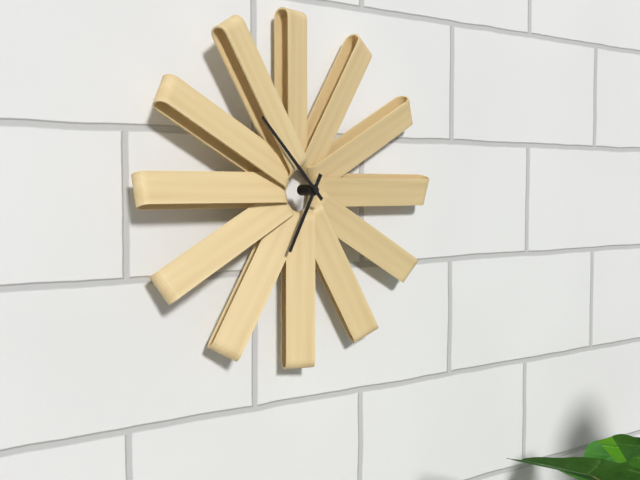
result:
6,53
